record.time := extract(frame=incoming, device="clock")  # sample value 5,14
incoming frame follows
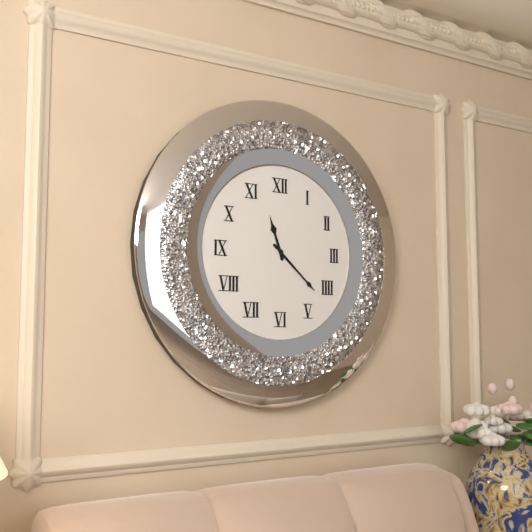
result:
11,22
